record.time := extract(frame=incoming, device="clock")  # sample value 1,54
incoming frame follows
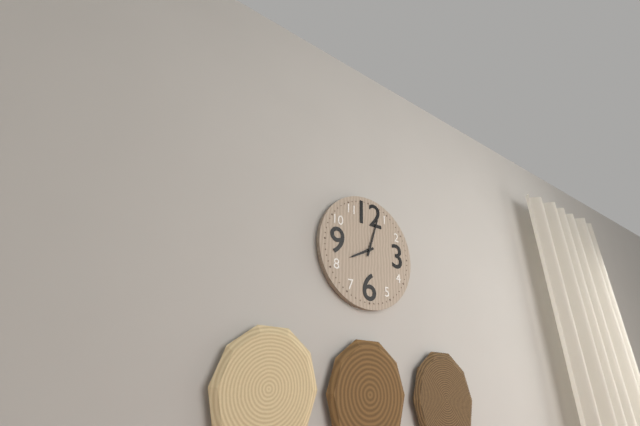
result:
8,03
